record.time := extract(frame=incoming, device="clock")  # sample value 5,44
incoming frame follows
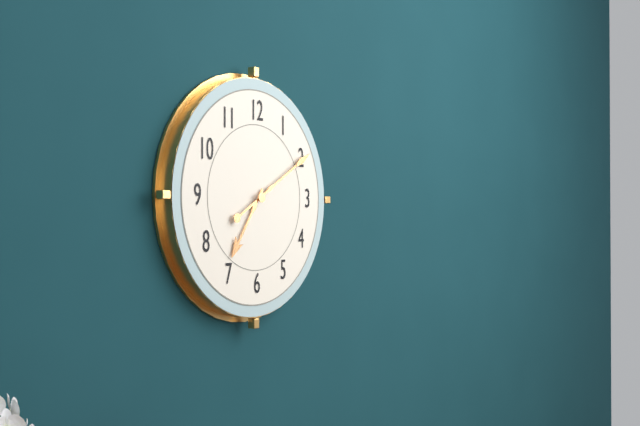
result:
7,10
